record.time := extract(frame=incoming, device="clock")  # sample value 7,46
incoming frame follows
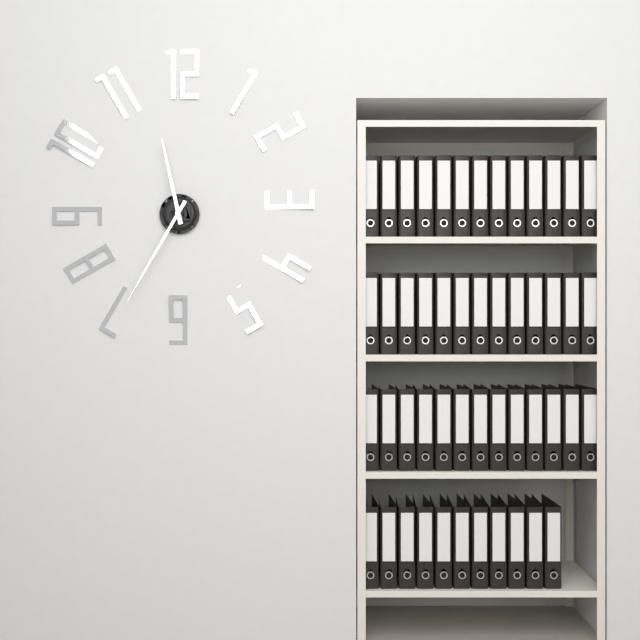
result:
11,35
